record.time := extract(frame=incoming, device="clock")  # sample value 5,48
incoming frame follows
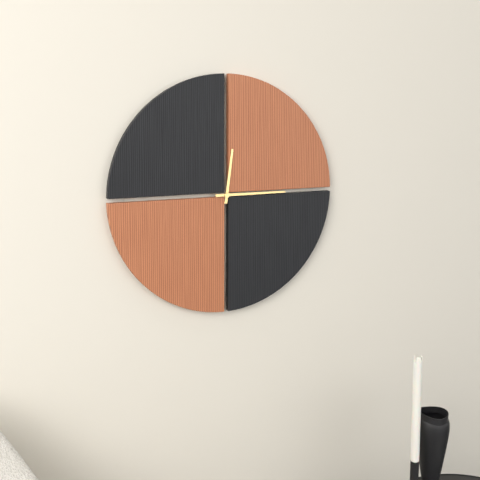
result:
12,15
